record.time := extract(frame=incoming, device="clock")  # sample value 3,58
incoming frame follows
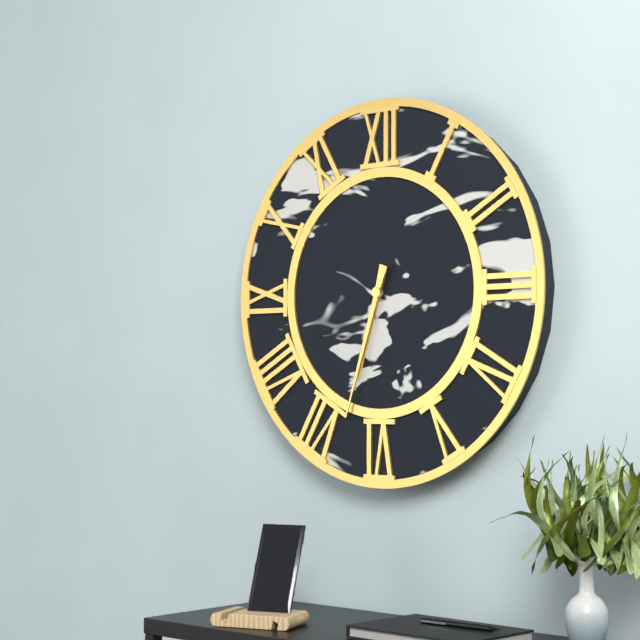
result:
6,33
